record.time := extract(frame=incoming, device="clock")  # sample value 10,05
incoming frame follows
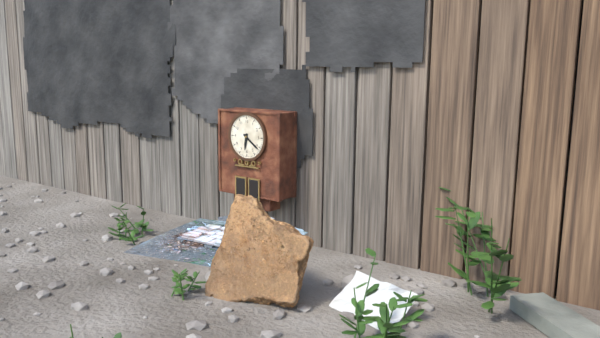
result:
6,21
